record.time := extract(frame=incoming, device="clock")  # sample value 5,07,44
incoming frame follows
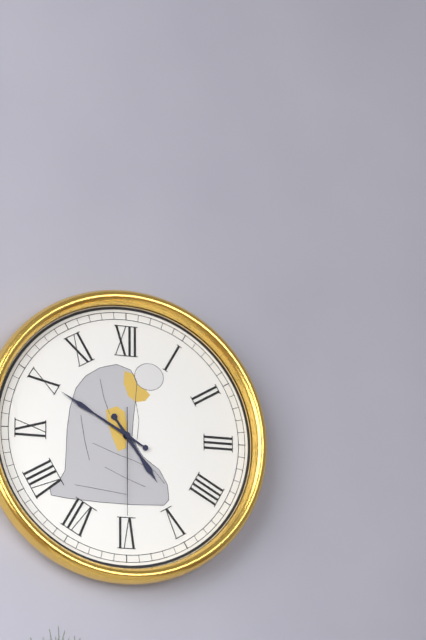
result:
4,50,30
